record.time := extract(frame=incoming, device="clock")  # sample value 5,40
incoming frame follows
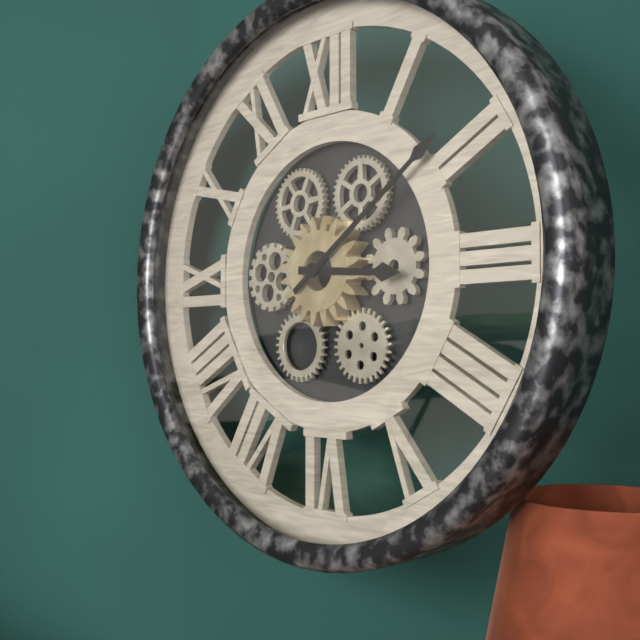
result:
3,09
